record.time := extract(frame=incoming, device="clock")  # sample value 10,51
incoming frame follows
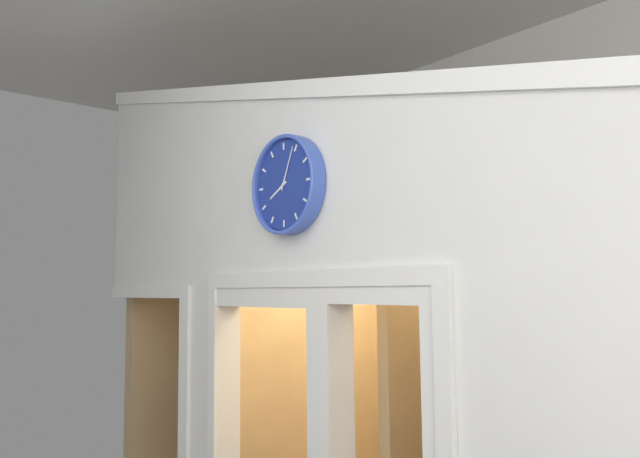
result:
8,04
